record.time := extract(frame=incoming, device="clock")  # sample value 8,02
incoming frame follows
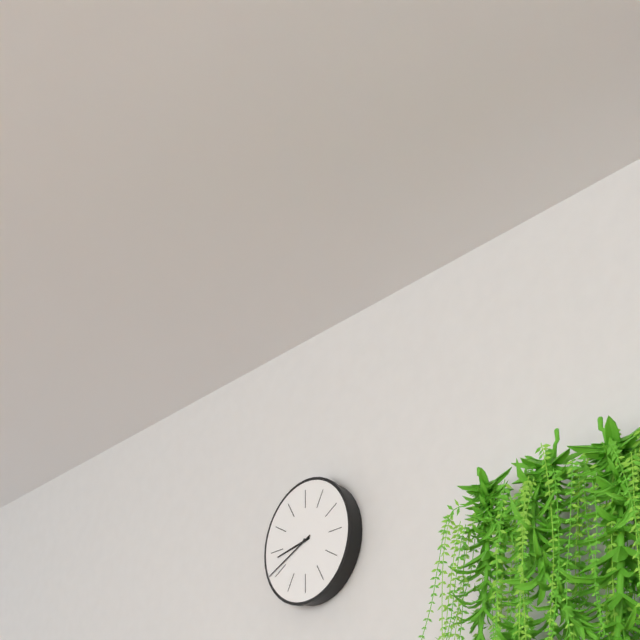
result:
8,41
